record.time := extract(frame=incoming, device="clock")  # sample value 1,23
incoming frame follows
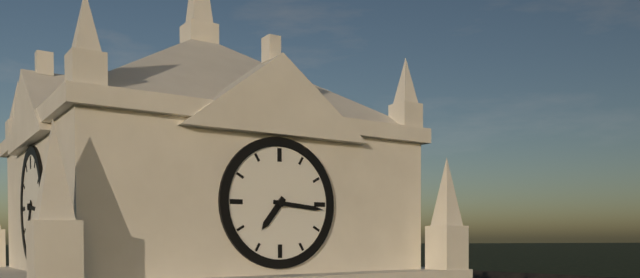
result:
7,16
